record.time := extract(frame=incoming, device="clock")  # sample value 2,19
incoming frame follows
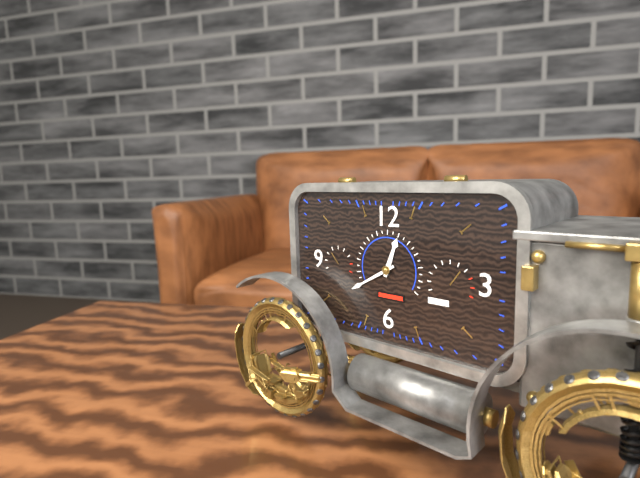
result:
12,40
